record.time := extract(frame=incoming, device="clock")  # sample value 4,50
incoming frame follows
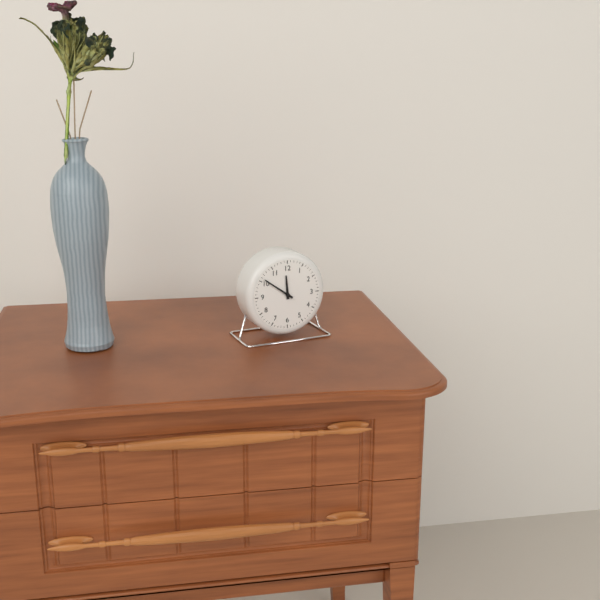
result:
11,51
